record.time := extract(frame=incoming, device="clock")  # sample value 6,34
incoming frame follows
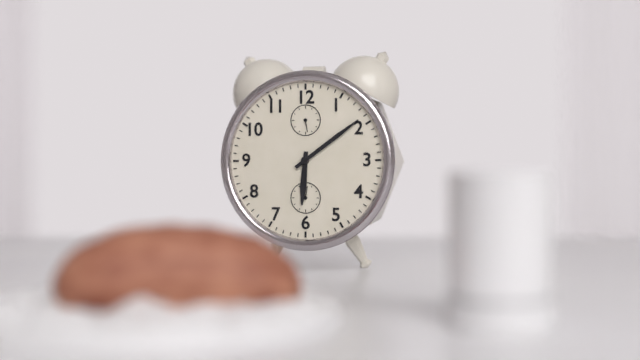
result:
6,09
